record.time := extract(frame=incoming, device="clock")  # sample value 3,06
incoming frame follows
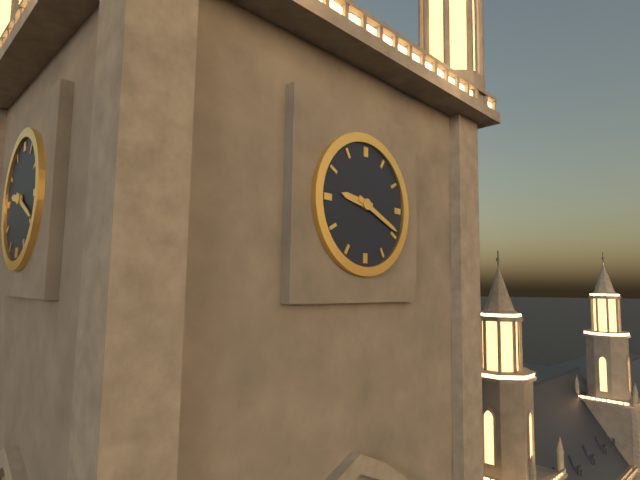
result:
9,19
